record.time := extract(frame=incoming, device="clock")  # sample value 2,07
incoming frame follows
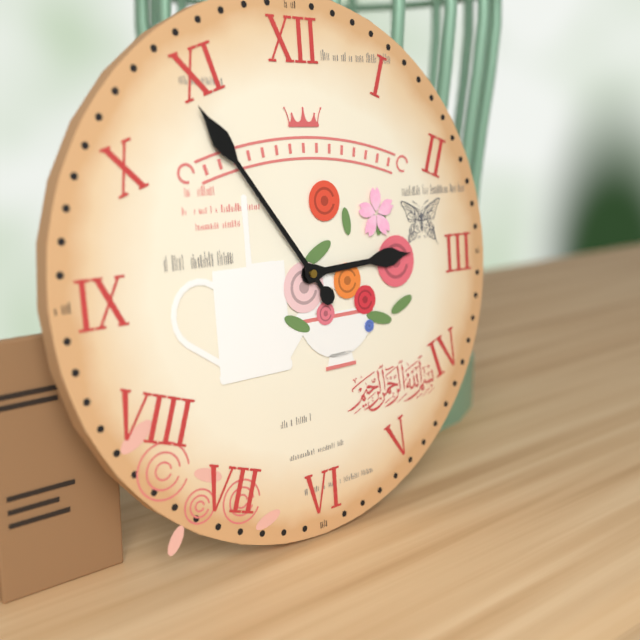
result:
2,54
